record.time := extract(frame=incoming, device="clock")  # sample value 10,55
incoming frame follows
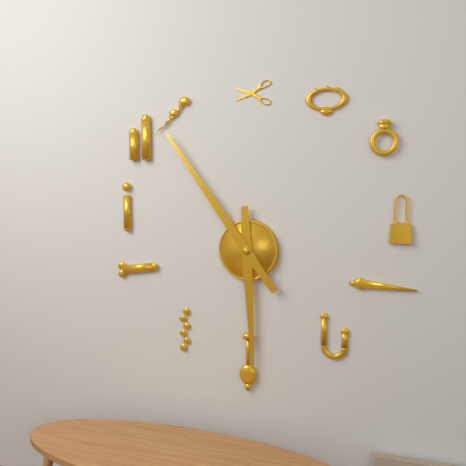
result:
5,54
